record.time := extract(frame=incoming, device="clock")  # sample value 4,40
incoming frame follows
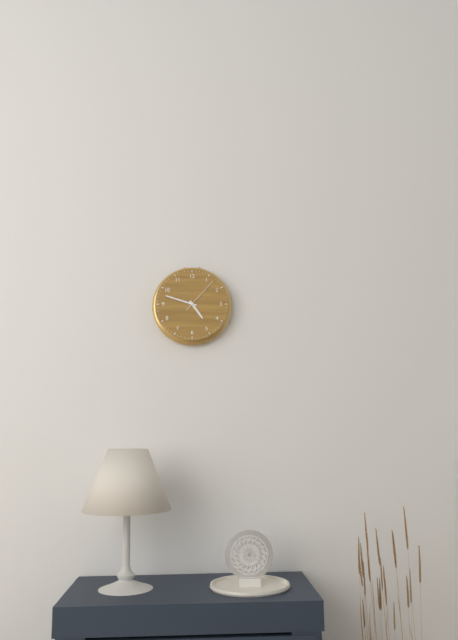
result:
4,48
